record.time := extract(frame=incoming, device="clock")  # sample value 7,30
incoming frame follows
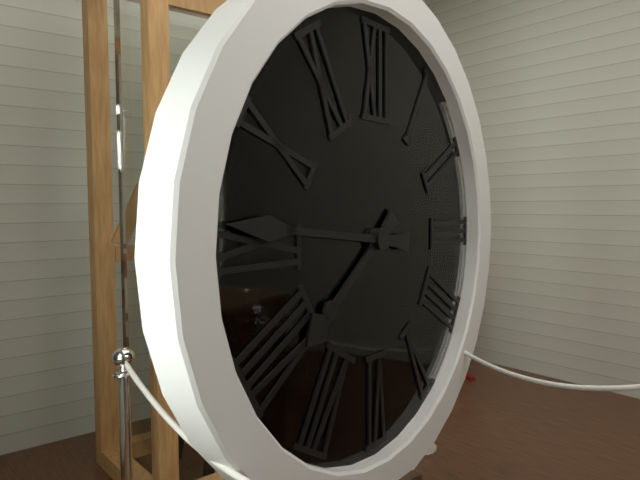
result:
7,46
